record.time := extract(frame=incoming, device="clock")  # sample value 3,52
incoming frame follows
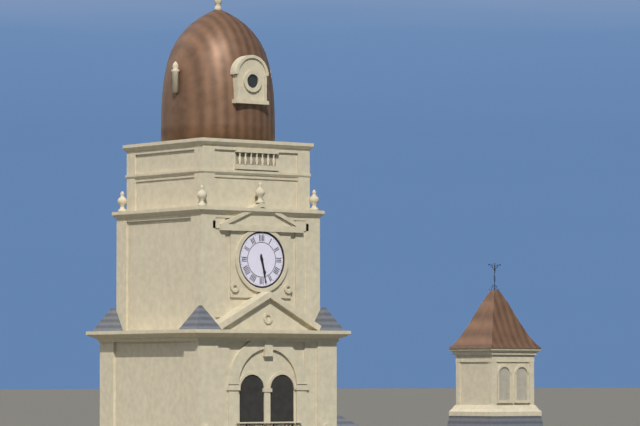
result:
5,28
